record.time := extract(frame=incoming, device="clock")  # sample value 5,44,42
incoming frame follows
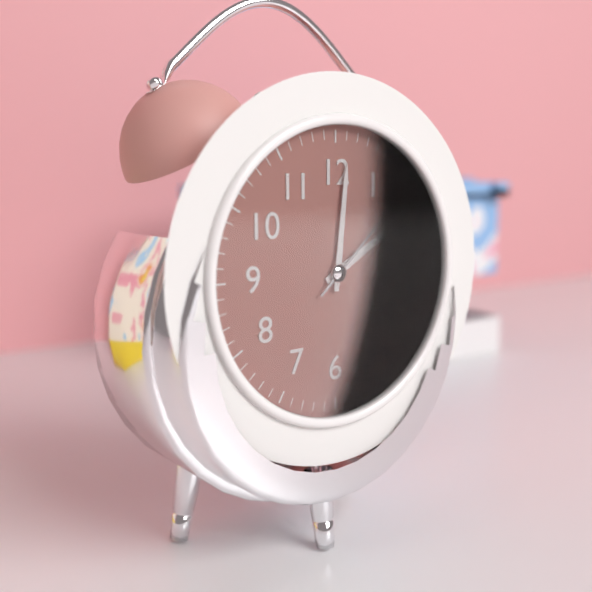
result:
2,01,08
